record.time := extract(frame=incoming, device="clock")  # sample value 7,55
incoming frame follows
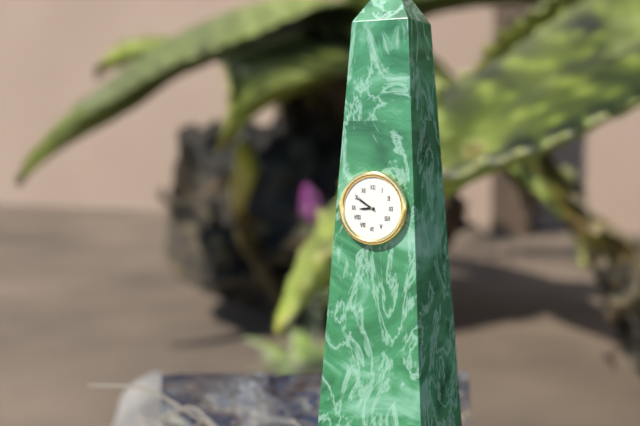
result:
8,50
